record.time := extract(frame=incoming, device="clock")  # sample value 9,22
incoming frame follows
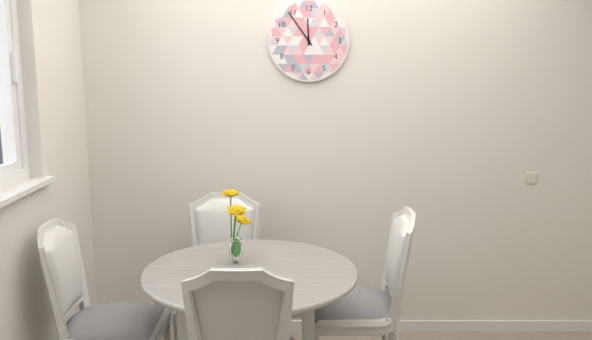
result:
11,54
